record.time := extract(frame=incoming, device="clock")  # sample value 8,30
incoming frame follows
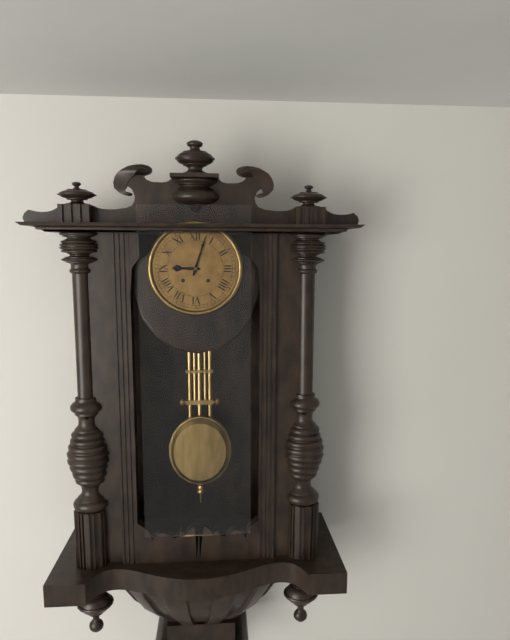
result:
9,03
